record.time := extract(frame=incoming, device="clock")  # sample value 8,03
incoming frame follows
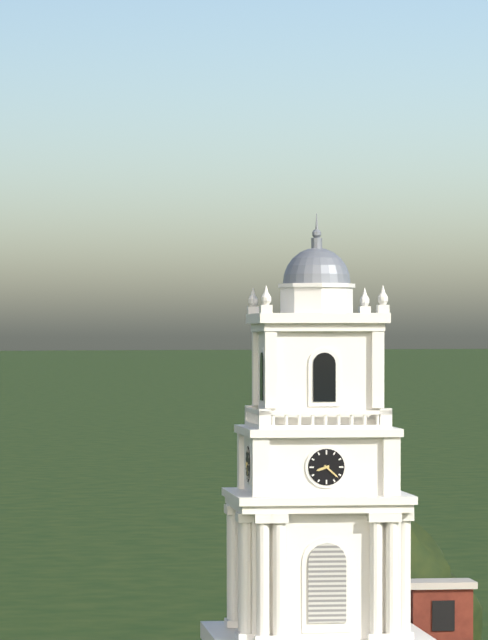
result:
8,22
